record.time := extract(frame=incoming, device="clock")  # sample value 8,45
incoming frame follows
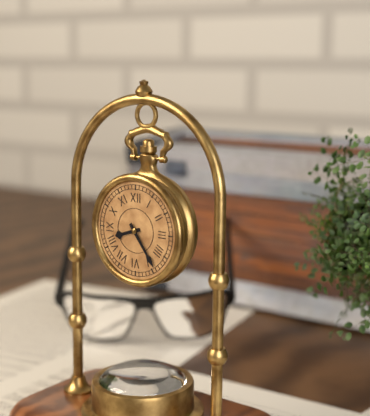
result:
8,24
